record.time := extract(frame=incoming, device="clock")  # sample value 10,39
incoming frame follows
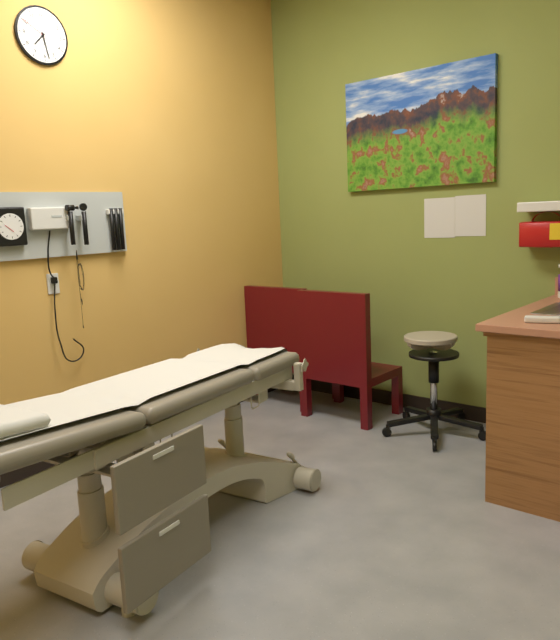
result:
7,28
